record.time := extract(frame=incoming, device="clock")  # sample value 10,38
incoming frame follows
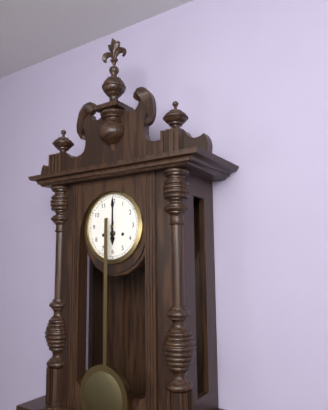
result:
6,00
